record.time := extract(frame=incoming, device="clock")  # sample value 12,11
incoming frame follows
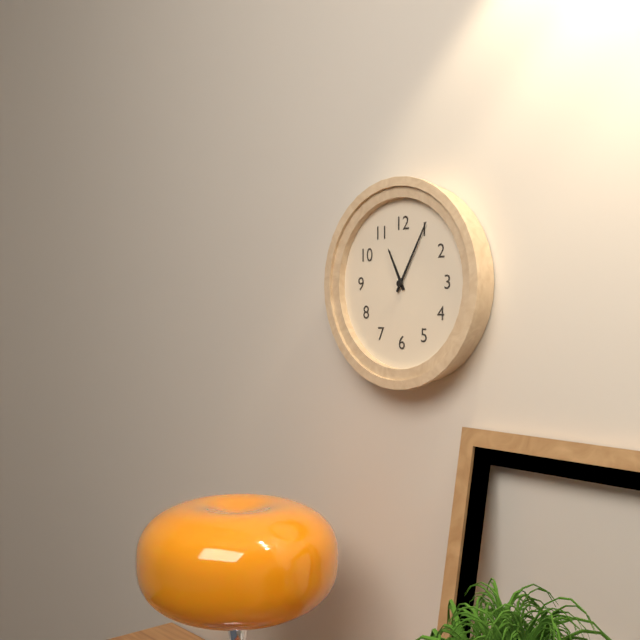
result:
11,05
